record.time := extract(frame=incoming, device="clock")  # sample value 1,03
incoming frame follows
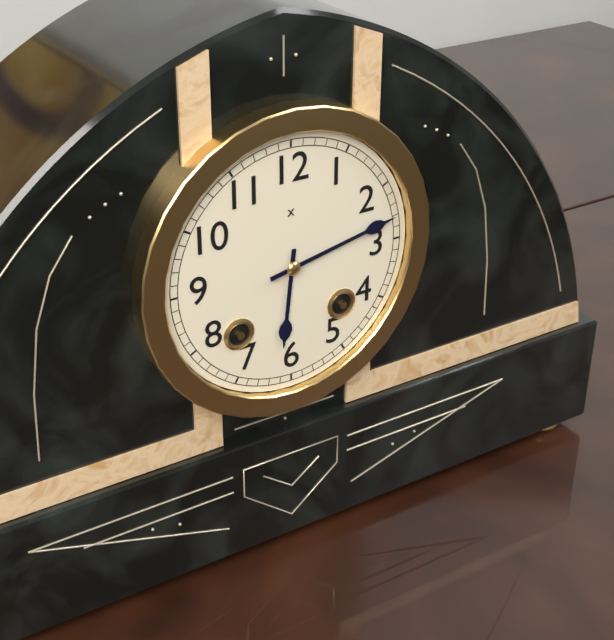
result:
6,13
